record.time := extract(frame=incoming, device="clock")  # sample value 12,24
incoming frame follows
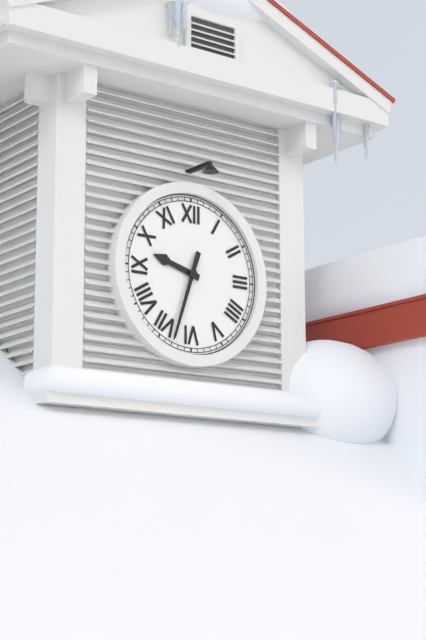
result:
9,33
